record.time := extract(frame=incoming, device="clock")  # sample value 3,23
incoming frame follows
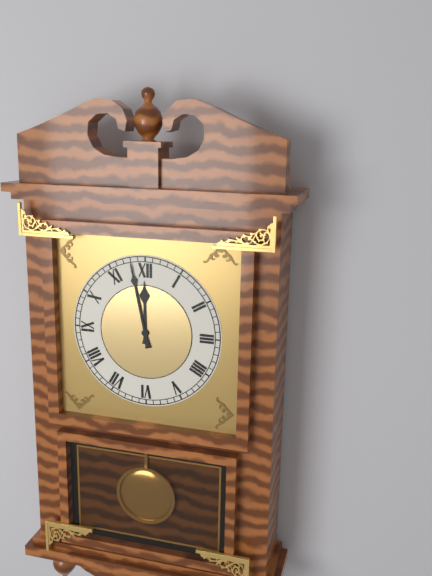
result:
11,58
